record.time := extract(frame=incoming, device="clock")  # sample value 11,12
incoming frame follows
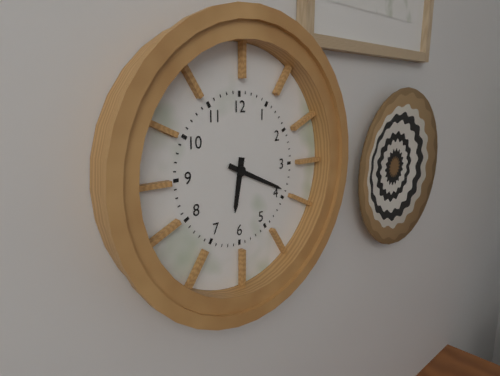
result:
6,19
